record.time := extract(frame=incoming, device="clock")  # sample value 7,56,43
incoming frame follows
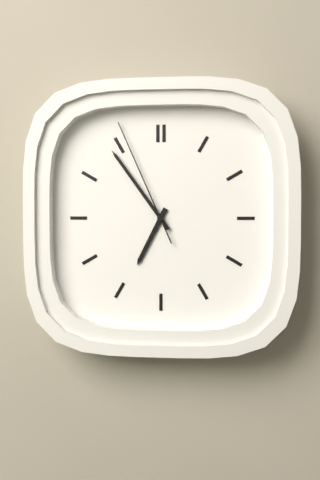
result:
6,54,56
